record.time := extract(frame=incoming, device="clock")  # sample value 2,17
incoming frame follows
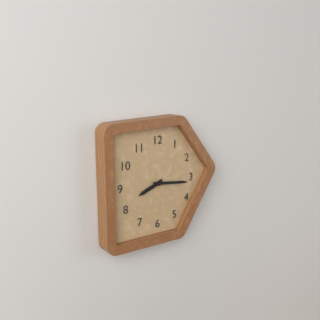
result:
8,16
